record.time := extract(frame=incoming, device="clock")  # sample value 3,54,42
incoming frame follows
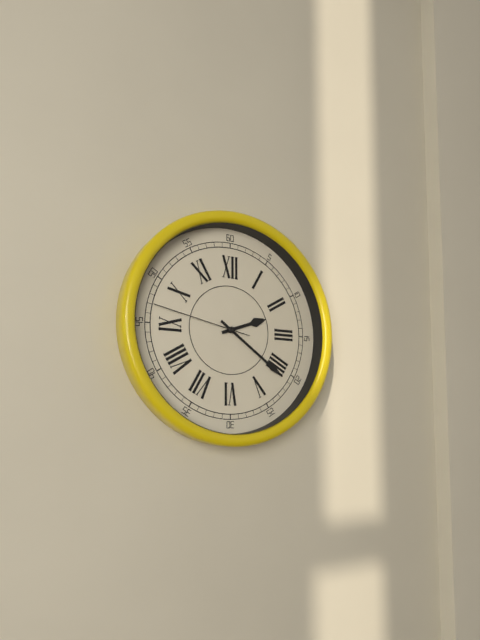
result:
2,21,47
